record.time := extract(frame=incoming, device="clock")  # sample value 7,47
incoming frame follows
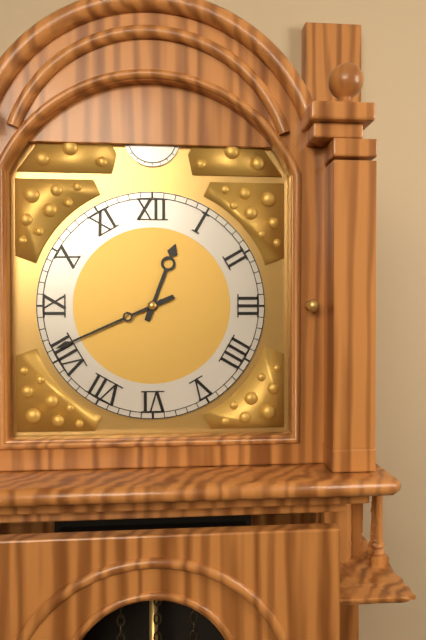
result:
12,41
